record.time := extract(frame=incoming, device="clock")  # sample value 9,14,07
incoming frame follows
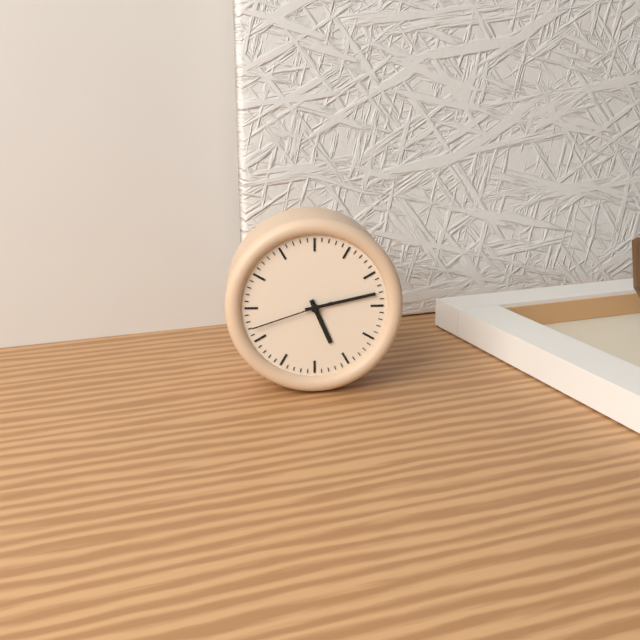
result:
5,13,42
